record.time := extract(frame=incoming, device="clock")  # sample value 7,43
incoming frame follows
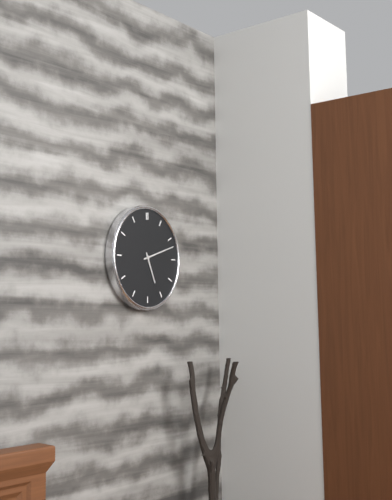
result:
5,12
